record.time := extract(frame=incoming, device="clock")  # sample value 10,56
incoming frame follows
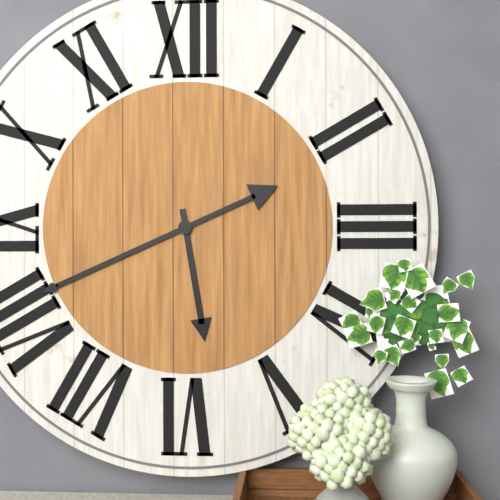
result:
5,41
